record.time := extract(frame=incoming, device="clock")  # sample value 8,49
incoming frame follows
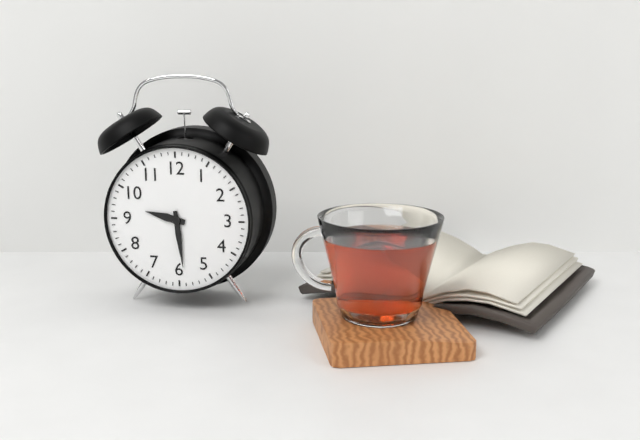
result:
9,29
